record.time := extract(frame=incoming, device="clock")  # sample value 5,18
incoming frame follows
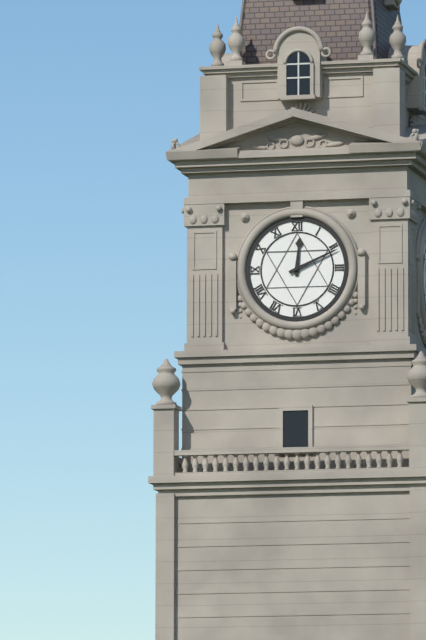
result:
12,11
